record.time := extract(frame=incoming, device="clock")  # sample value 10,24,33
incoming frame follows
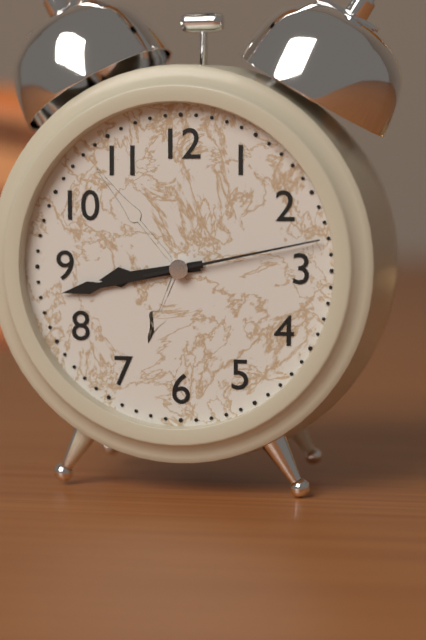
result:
8,43,13
